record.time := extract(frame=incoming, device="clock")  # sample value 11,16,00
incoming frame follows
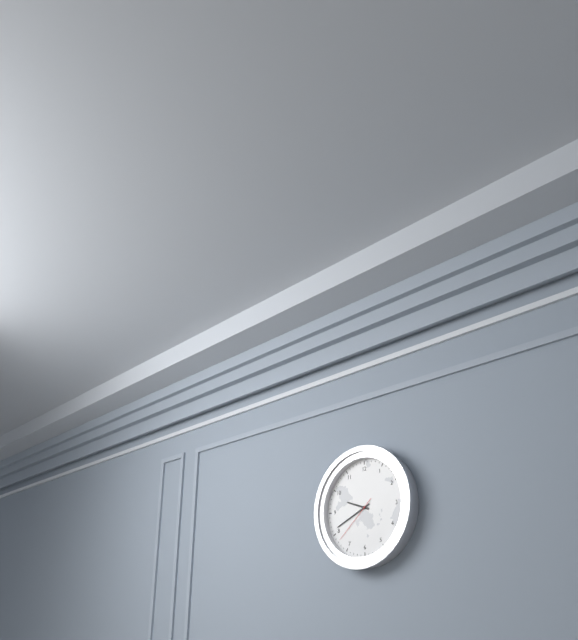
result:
9,41,38
